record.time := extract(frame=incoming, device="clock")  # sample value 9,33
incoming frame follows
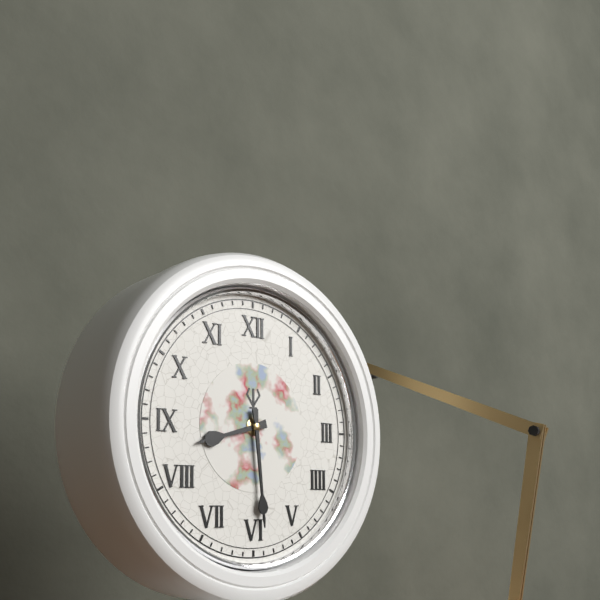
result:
8,29
